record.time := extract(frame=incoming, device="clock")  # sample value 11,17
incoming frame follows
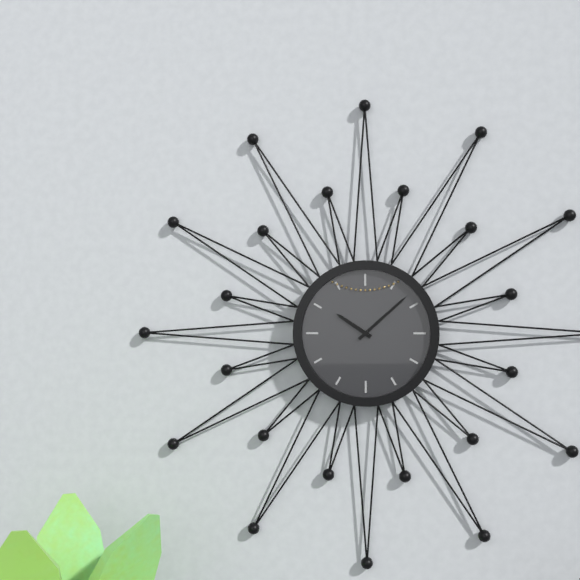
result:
10,08
